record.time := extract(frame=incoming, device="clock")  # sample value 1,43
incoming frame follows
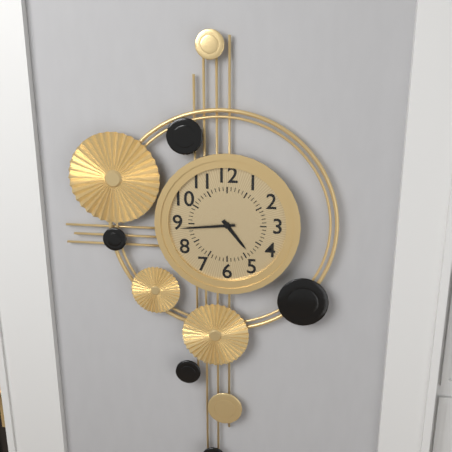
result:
4,44
